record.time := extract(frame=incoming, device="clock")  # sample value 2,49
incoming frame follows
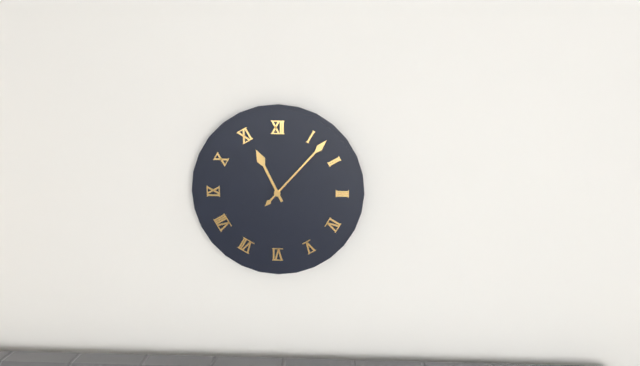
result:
11,07
